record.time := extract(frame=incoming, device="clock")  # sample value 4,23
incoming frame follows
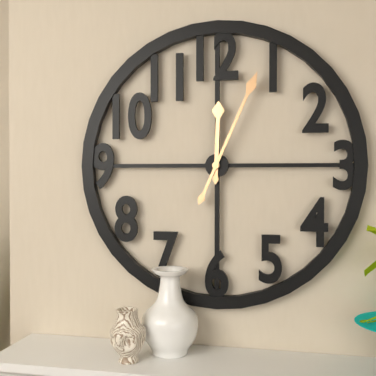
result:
12,04
